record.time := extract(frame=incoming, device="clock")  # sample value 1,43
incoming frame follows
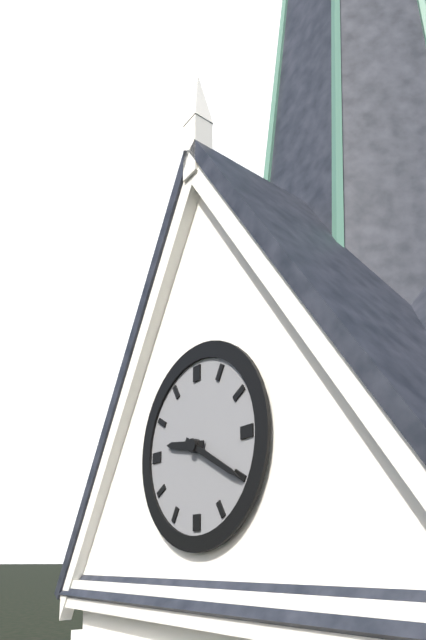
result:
9,20
